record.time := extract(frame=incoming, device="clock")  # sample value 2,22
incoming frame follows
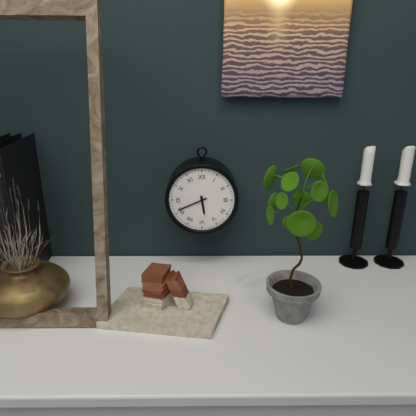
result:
5,41
